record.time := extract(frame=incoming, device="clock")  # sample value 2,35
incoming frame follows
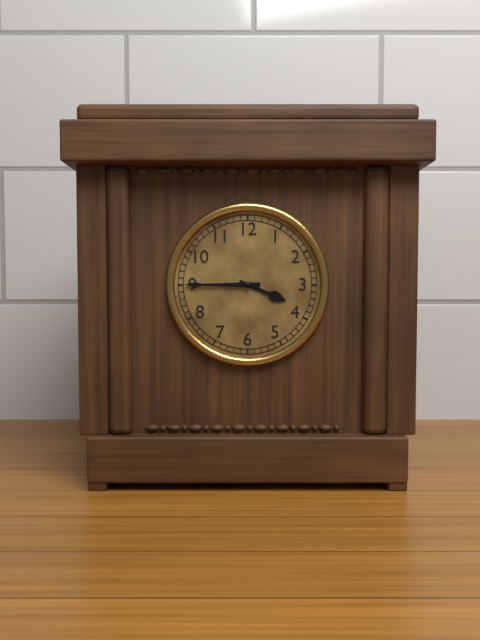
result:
3,45
